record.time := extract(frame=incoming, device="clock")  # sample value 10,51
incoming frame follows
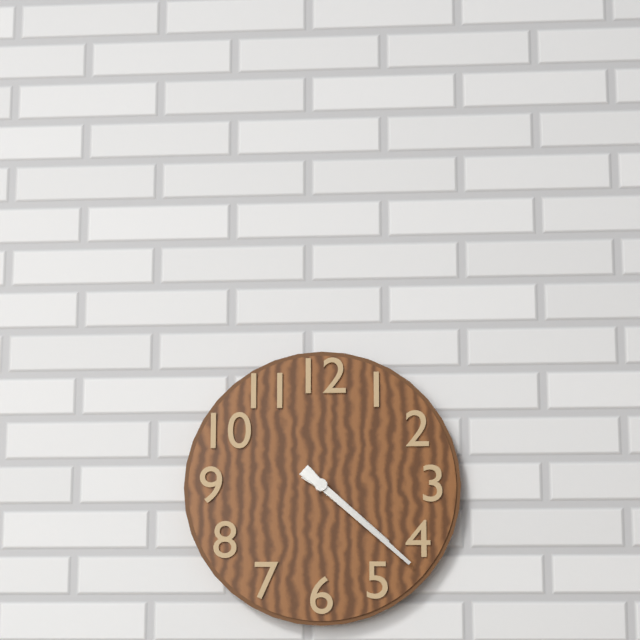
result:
4,22
